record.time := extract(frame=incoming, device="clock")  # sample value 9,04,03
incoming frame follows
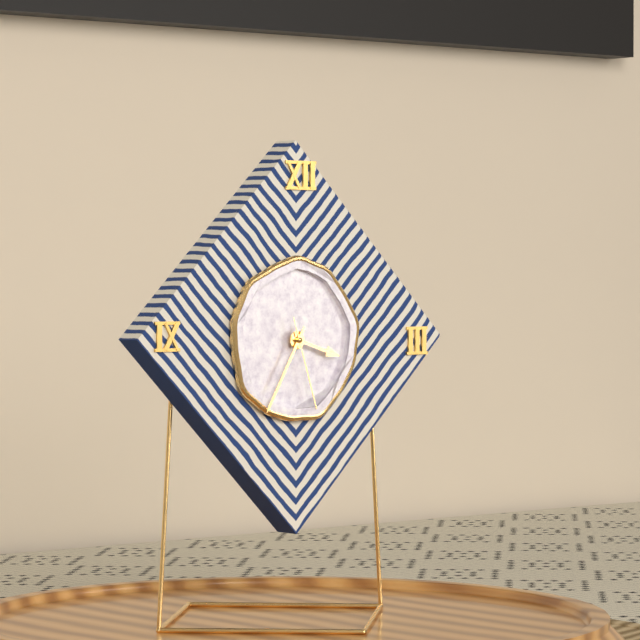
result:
3,35,27
